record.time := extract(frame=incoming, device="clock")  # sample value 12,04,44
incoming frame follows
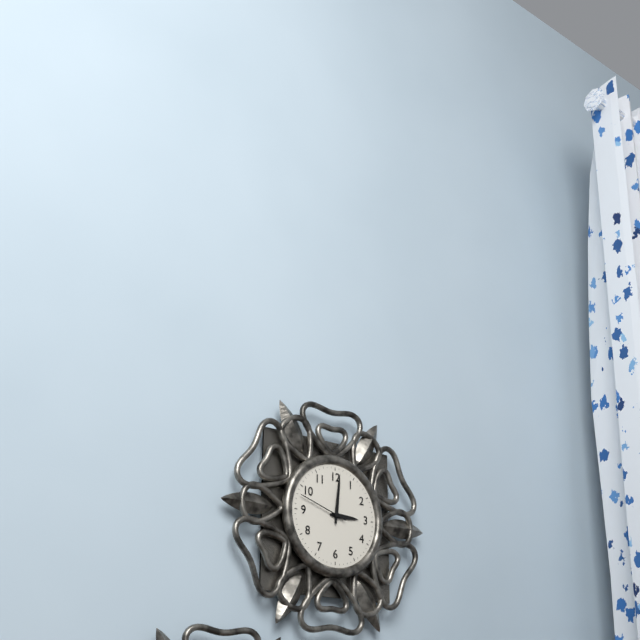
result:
3,01,48
